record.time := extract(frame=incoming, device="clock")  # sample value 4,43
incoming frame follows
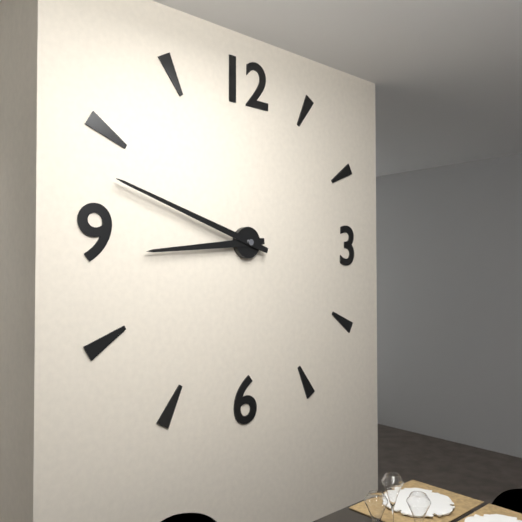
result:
8,48
